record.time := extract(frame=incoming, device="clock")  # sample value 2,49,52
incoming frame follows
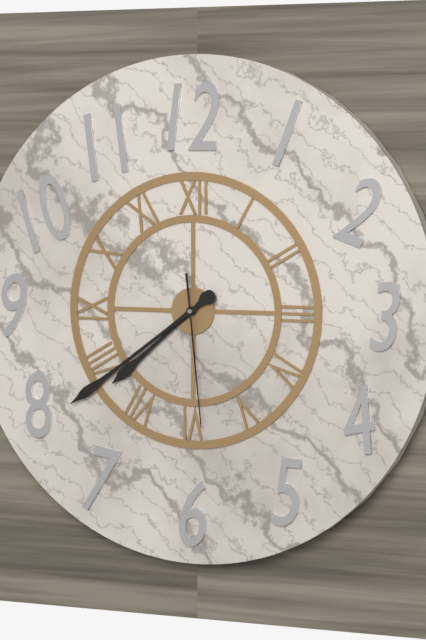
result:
7,39,29
